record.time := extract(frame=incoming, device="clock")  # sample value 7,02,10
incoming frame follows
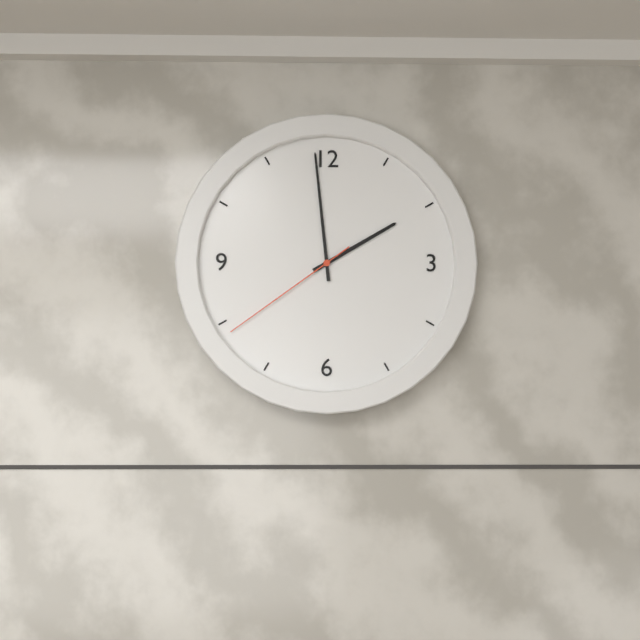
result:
1,59,39
